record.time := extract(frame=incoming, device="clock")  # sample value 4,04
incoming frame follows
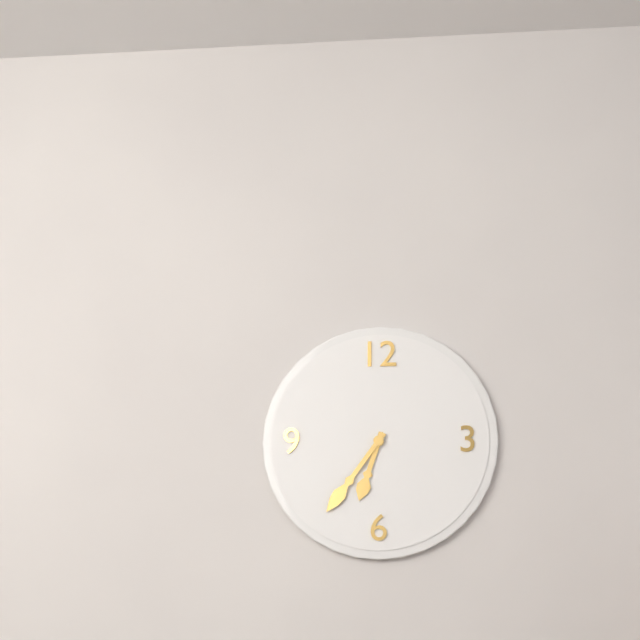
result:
6,36
